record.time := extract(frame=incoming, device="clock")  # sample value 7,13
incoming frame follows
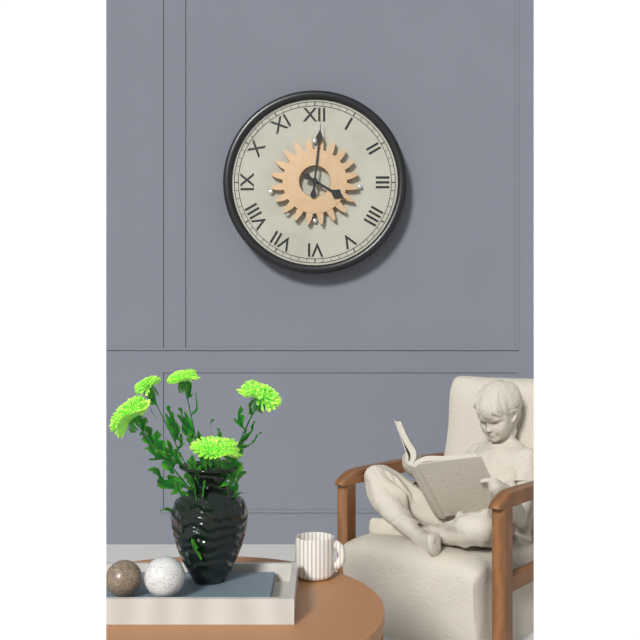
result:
4,01
